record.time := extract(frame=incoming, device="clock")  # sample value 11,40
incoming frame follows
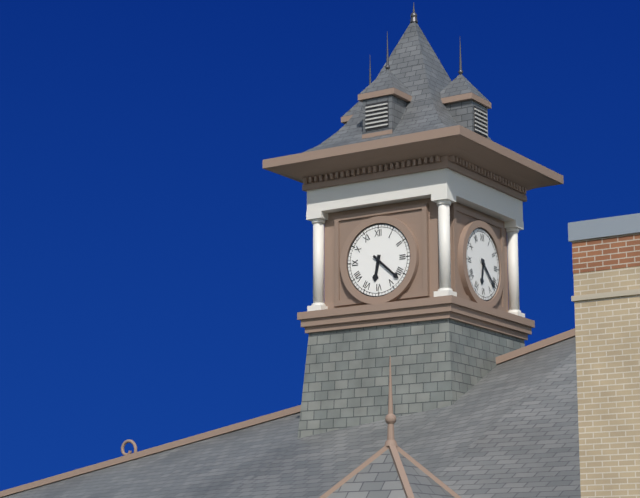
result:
6,22
